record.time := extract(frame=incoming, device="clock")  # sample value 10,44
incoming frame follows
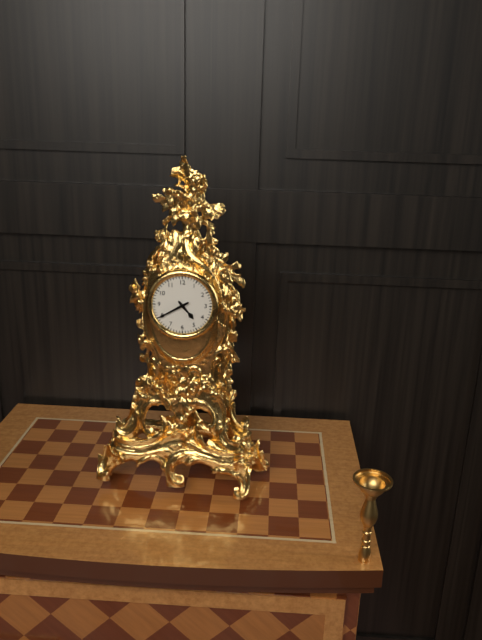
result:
4,40
